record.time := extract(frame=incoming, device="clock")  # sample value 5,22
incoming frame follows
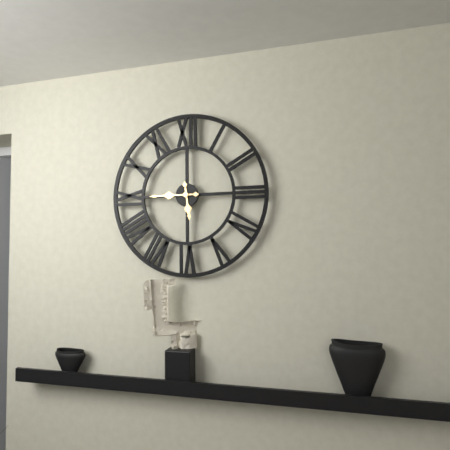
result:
5,45
